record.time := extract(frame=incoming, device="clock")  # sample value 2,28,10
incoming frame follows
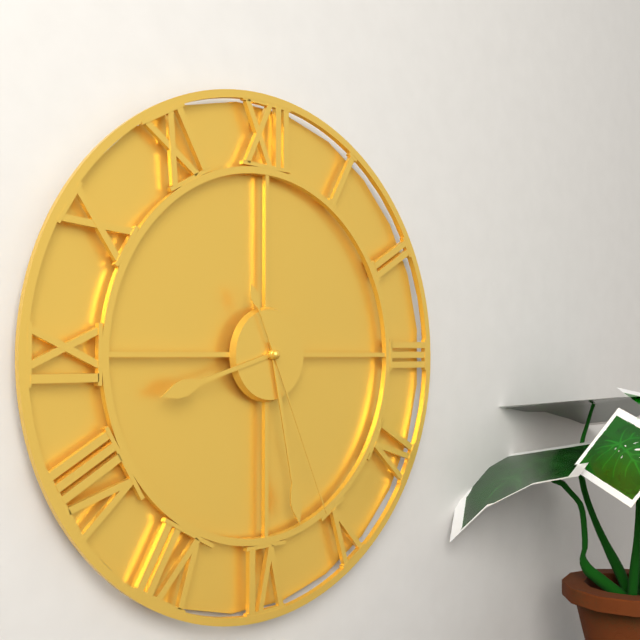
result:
8,28,26
